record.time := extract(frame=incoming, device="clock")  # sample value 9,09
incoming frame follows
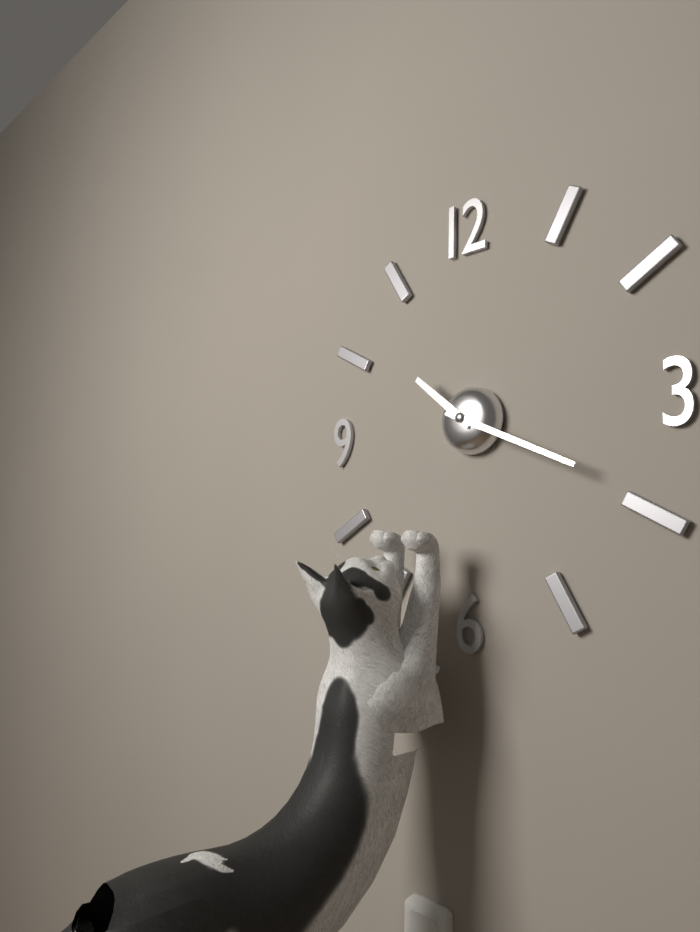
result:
10,19
